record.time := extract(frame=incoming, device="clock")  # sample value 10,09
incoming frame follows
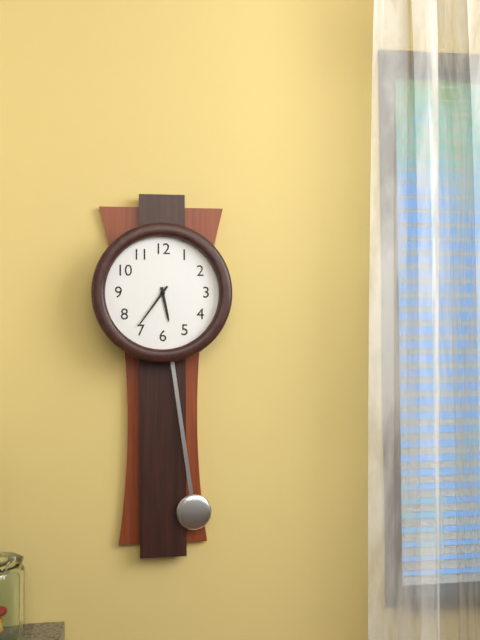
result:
5,36
